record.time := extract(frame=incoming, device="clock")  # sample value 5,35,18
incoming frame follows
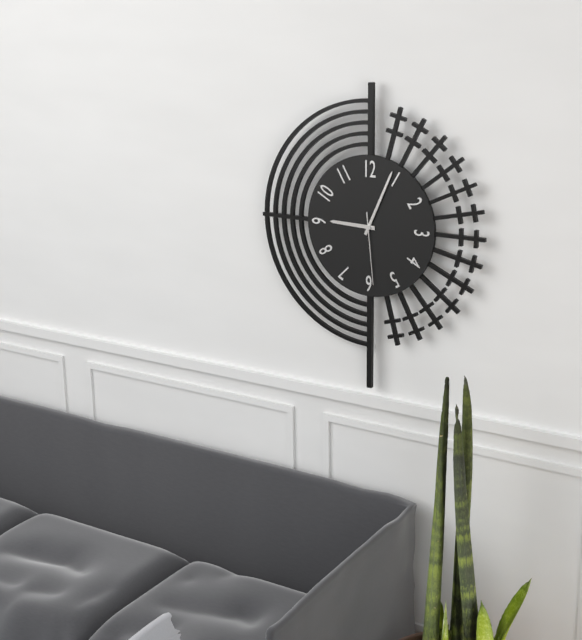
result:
9,04,29
